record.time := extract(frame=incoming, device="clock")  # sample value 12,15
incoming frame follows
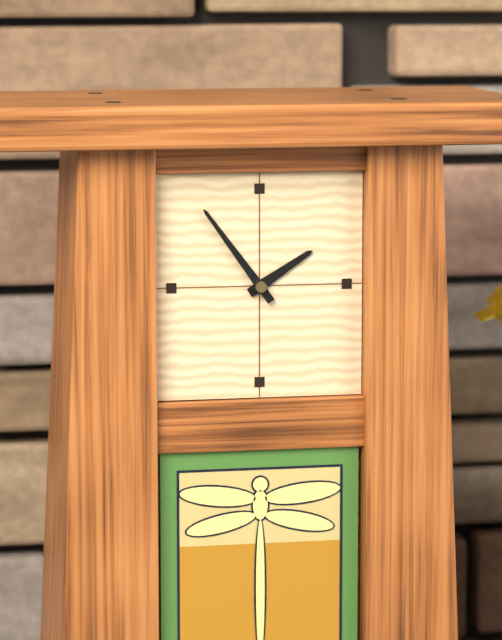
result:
1,54
